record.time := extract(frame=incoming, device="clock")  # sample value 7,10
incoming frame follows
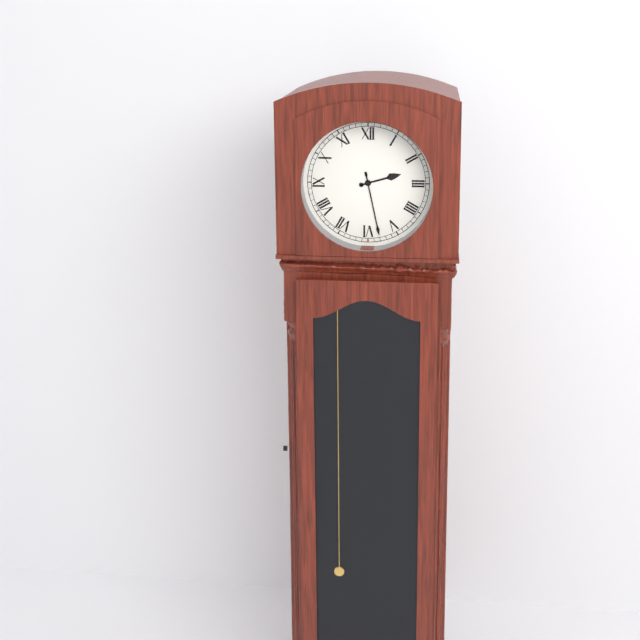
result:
2,28
